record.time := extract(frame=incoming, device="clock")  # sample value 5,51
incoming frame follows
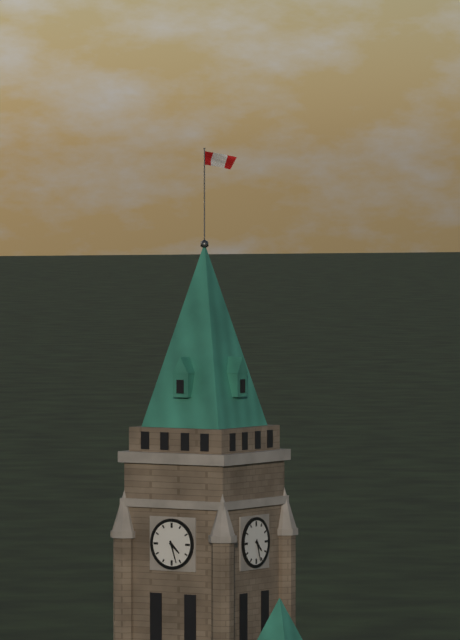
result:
4,27
